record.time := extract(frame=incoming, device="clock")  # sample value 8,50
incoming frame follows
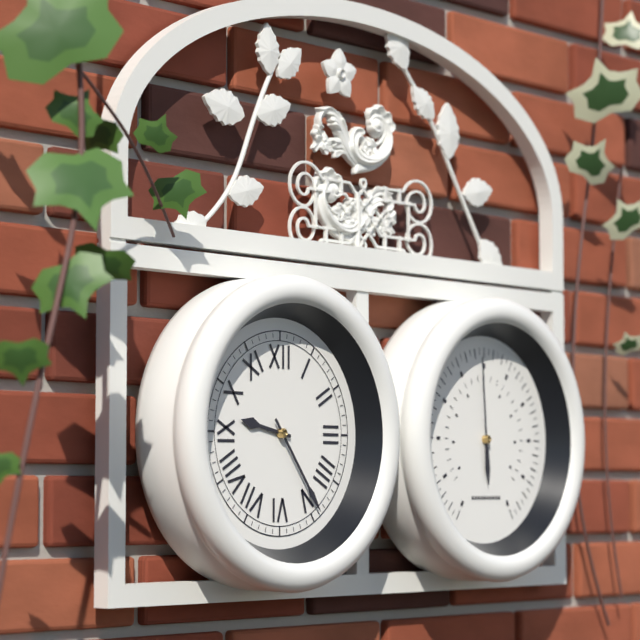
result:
9,24
